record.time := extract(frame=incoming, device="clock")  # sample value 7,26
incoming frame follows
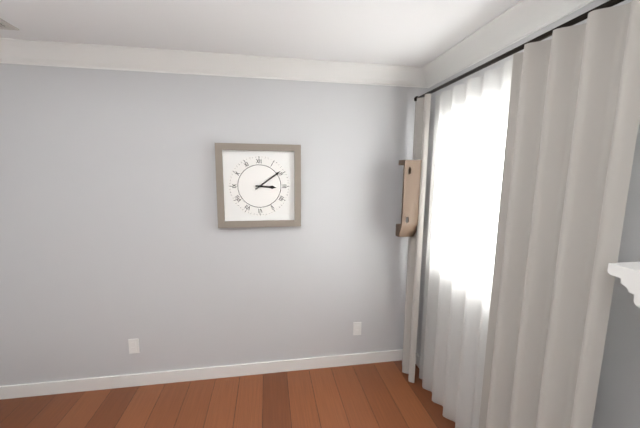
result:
3,09
